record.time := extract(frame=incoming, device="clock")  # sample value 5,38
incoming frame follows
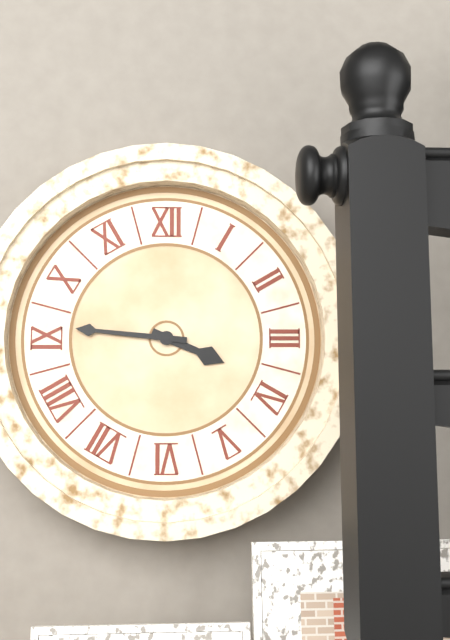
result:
3,46
